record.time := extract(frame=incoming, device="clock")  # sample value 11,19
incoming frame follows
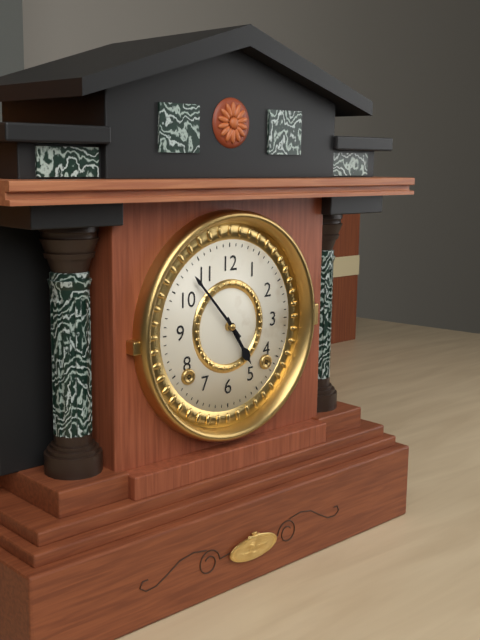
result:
4,53
